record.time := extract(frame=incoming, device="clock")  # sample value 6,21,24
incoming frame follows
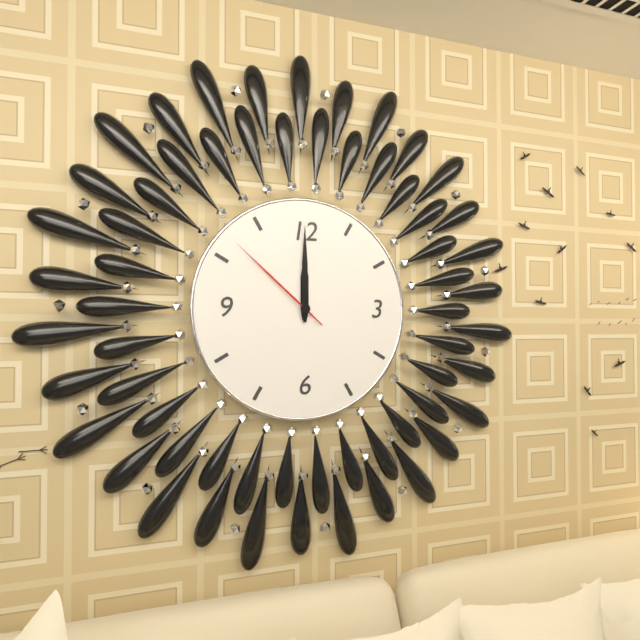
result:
12,00,52
